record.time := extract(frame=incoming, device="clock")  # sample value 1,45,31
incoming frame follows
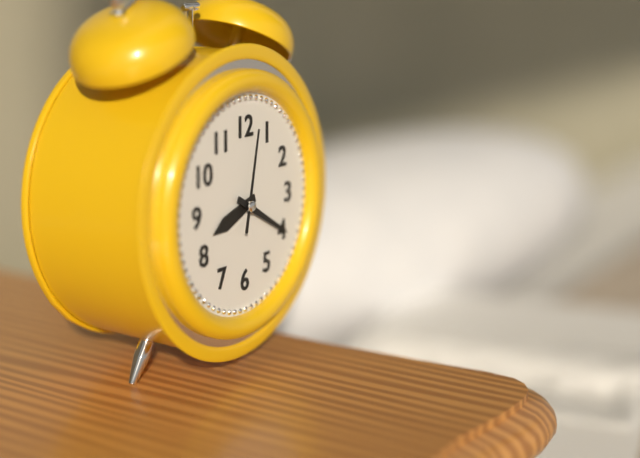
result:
8,20,02
